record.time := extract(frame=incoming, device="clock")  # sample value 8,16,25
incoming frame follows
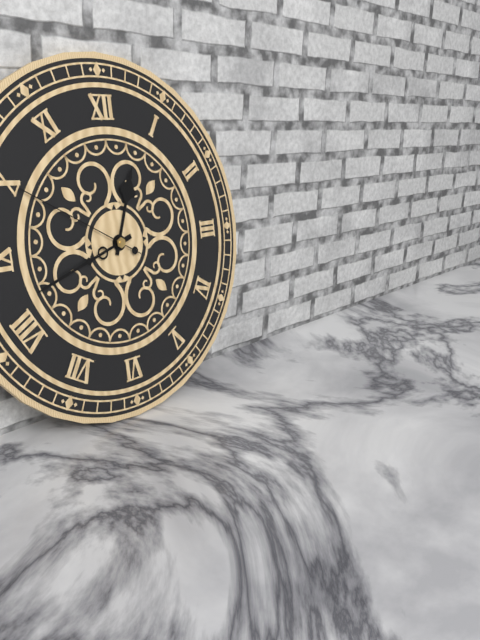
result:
12,42,50
